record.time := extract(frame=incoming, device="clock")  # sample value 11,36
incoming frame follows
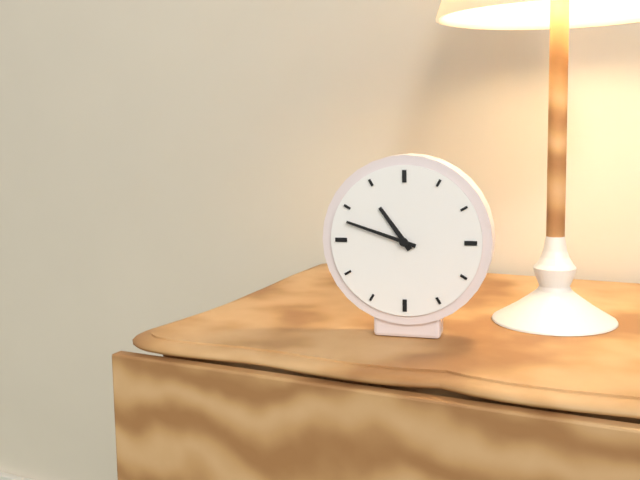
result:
10,48
